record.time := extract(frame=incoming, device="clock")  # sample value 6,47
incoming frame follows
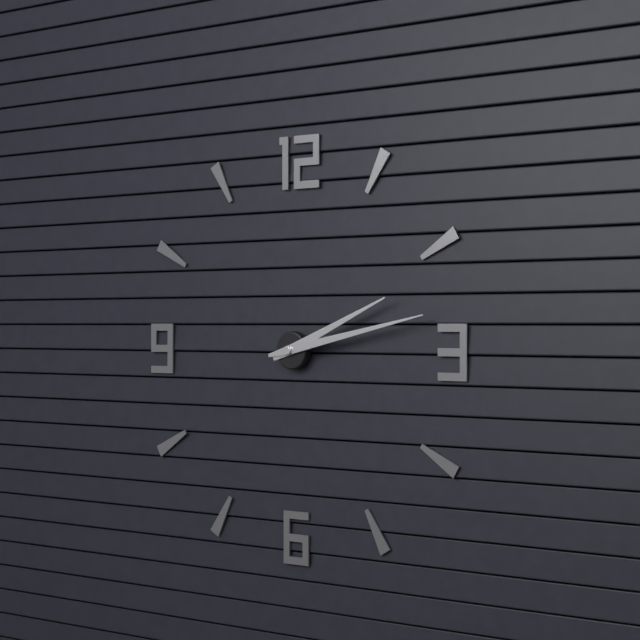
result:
2,13
